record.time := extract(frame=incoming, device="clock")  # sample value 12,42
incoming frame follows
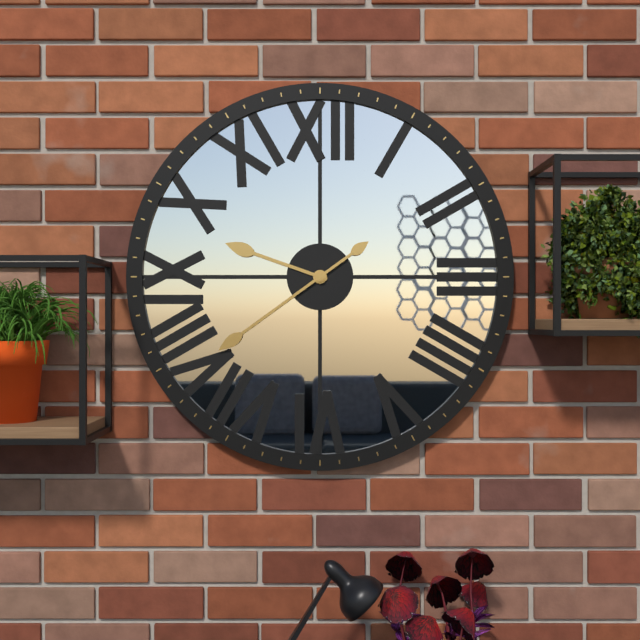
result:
9,39
